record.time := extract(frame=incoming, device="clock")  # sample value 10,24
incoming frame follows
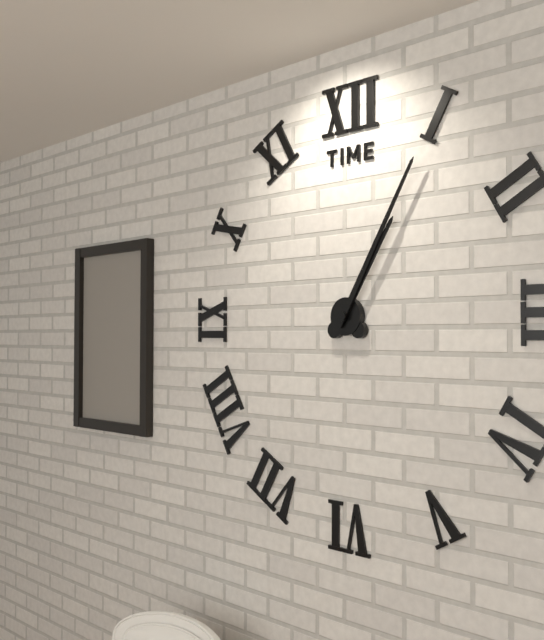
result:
1,05
